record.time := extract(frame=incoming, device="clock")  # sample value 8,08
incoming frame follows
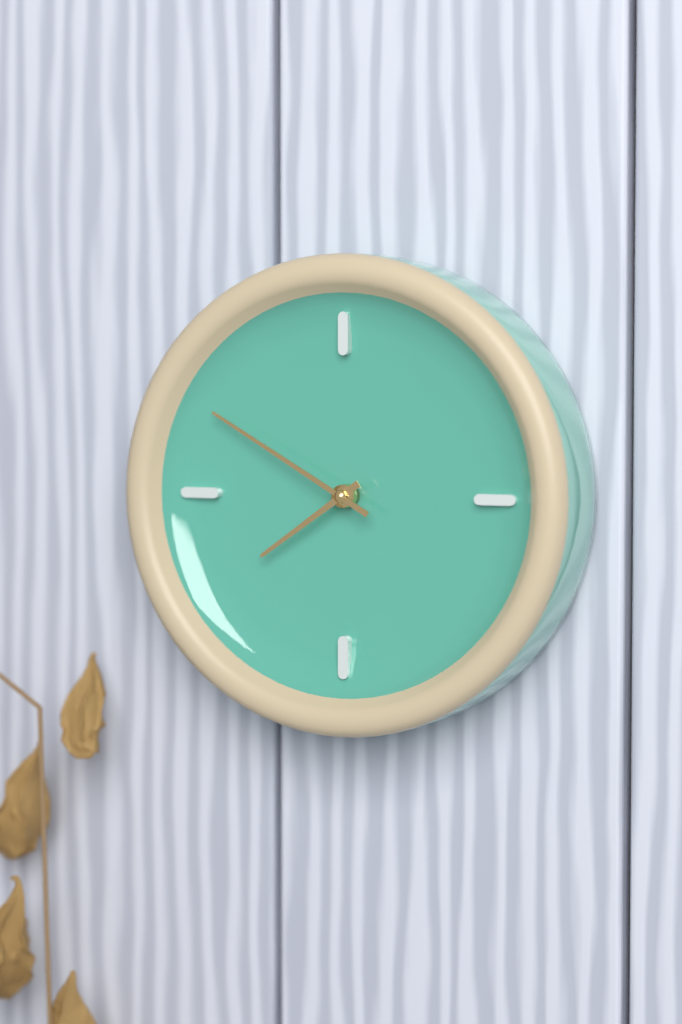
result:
7,50
